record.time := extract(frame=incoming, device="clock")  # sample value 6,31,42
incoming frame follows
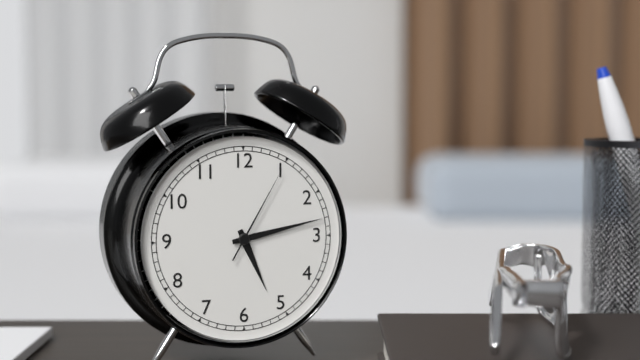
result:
5,13,05
